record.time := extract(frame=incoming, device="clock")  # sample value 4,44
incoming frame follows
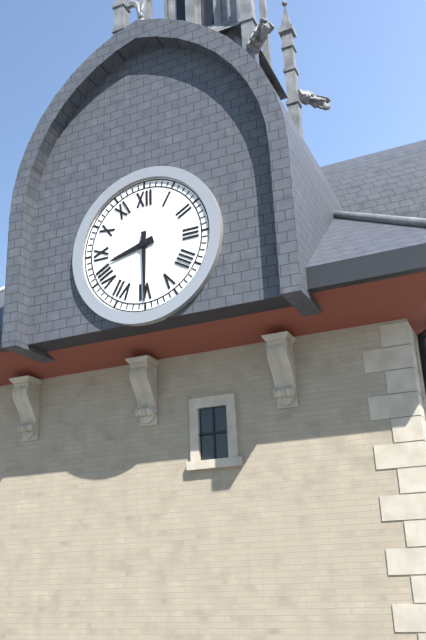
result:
8,30
